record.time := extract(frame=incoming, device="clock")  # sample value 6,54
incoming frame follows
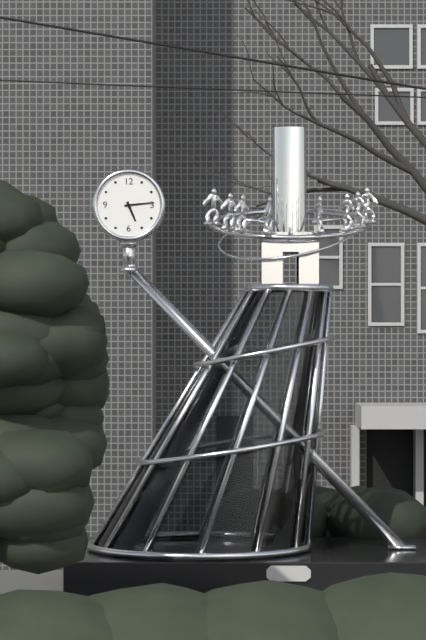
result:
5,14
